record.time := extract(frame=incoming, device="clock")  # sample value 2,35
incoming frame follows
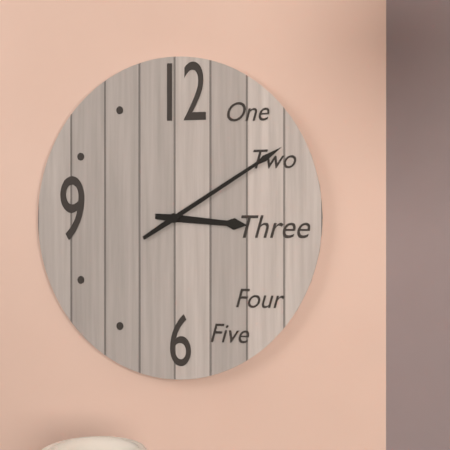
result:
3,10
